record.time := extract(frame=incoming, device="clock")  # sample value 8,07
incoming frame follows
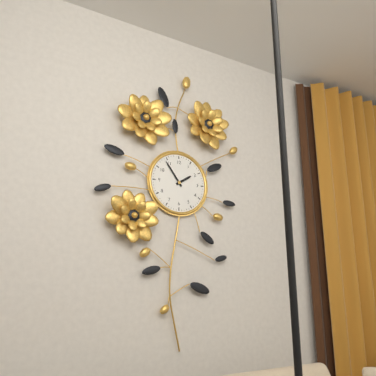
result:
1,54
